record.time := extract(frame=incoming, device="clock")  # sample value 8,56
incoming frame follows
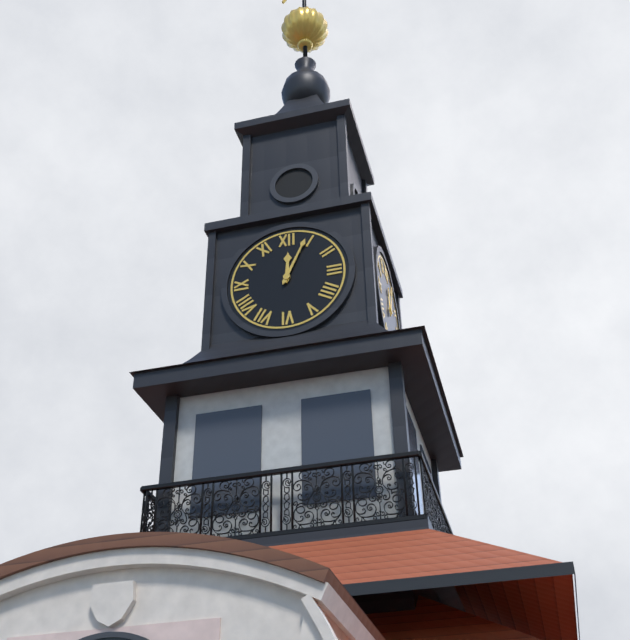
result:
12,04
